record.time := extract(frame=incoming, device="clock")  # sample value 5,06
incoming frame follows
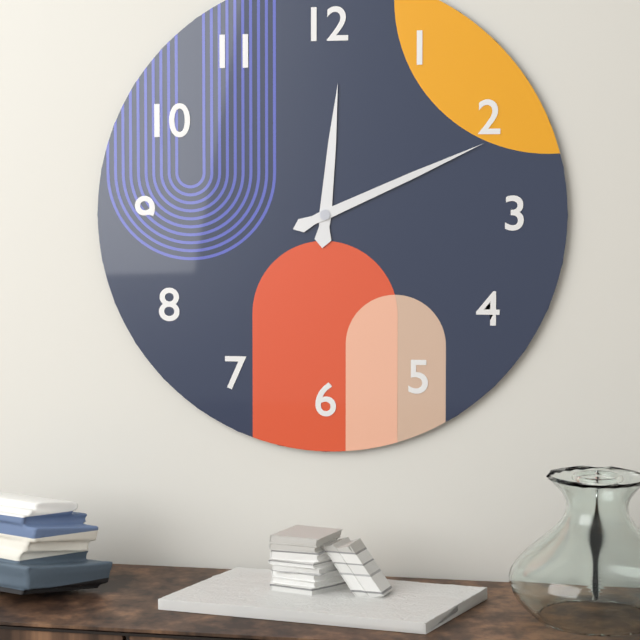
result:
12,11
